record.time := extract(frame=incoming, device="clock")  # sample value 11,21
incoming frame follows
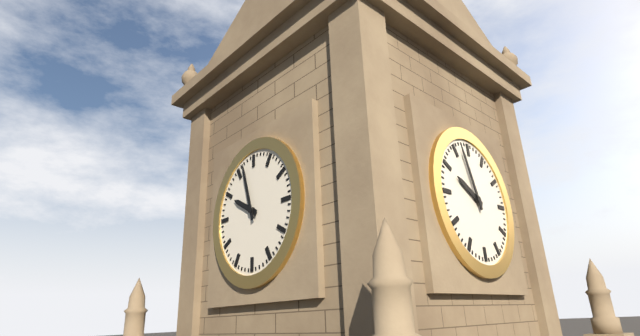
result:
9,57
